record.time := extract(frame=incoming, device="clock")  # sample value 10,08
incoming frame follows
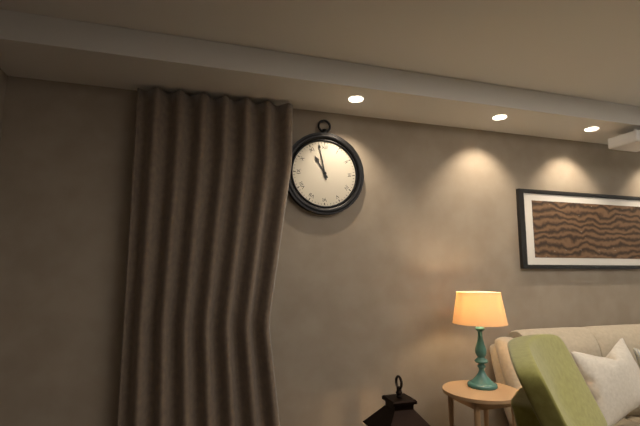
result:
10,58
